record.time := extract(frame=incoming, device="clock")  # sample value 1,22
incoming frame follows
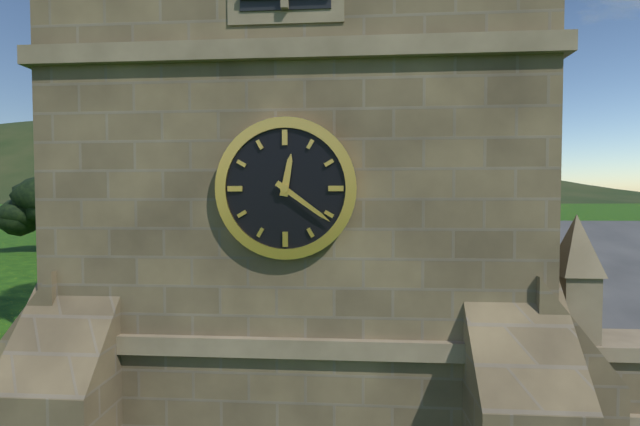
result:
12,21
